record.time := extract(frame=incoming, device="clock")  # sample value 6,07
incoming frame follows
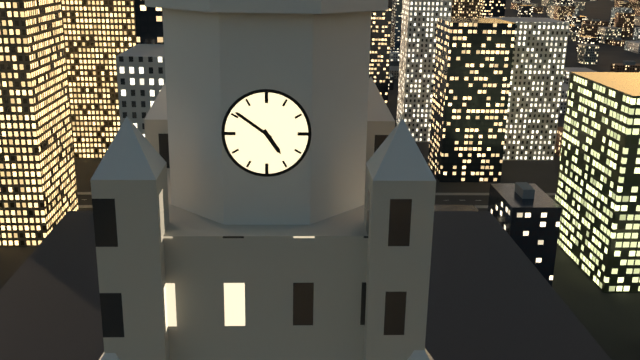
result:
4,51
